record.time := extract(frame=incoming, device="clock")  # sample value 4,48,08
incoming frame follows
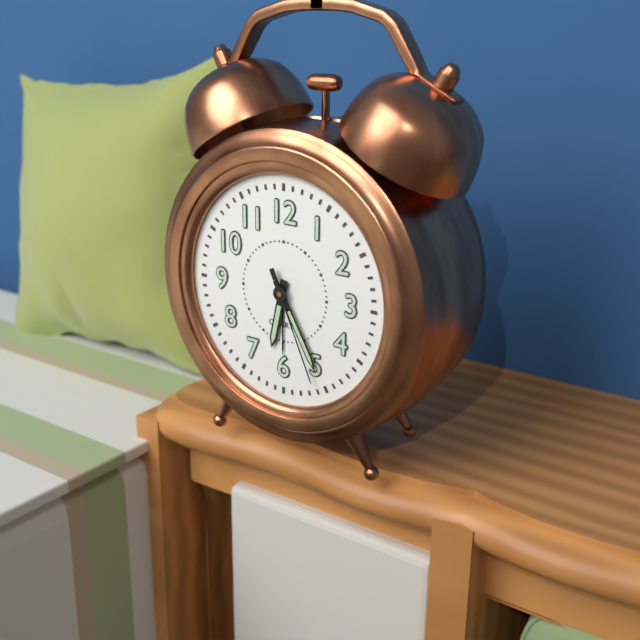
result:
6,25,26
